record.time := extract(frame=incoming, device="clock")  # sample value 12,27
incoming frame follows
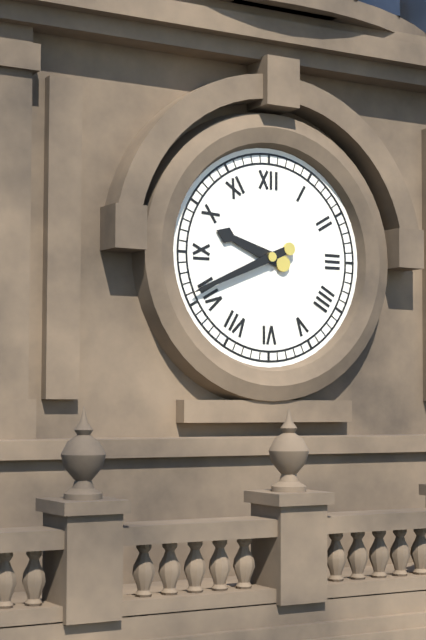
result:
9,41
